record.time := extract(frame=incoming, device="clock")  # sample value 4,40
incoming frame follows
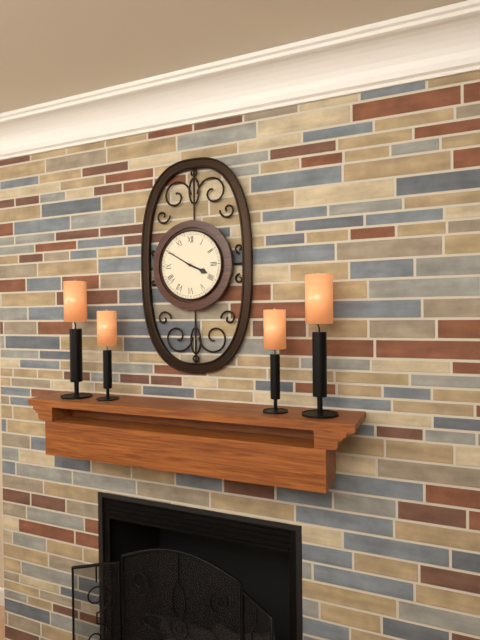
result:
3,50
